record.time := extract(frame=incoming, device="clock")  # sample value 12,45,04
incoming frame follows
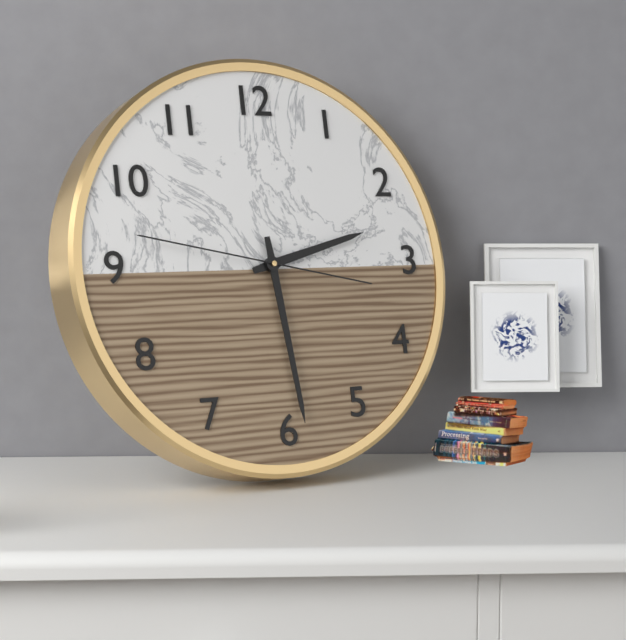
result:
2,29,47
